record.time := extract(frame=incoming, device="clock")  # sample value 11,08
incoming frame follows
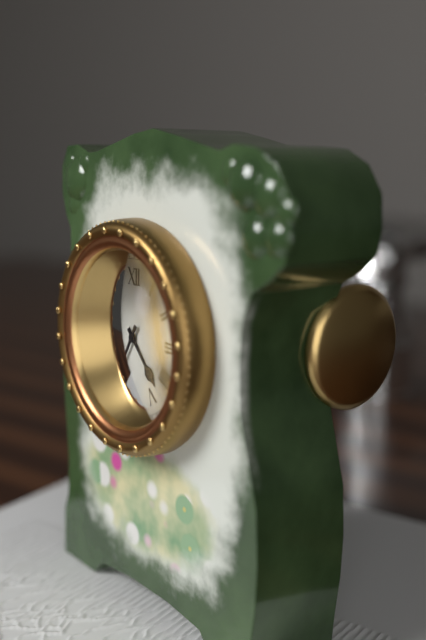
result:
4,35
